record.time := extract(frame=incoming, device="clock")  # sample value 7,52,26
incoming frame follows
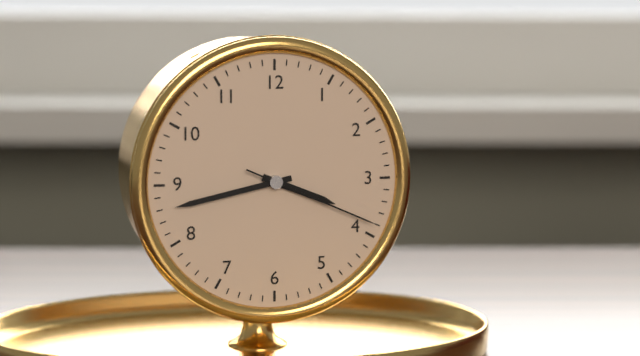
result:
3,43,19
